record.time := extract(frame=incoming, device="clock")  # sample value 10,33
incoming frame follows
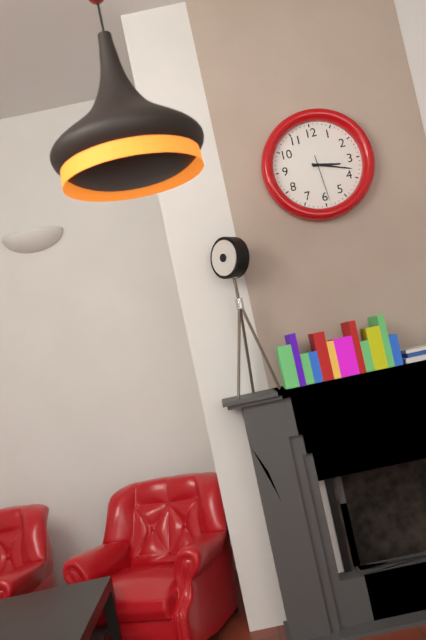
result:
3,18
